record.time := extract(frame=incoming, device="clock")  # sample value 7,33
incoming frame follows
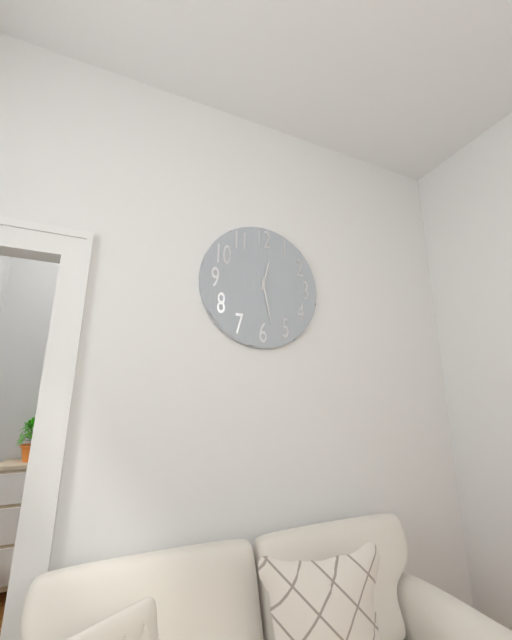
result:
12,28
